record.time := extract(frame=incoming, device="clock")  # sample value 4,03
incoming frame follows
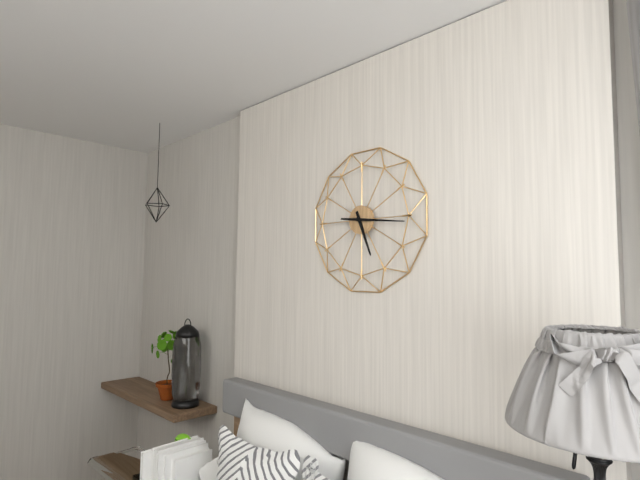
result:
5,16
